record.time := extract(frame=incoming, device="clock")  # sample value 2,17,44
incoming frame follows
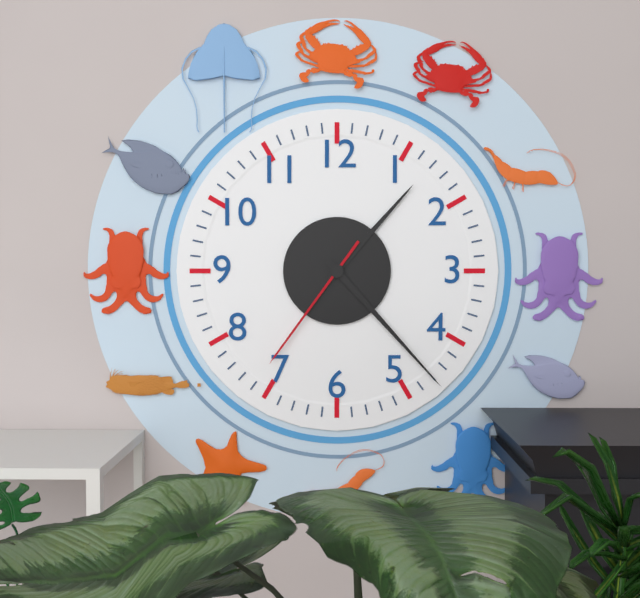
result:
1,23,36
